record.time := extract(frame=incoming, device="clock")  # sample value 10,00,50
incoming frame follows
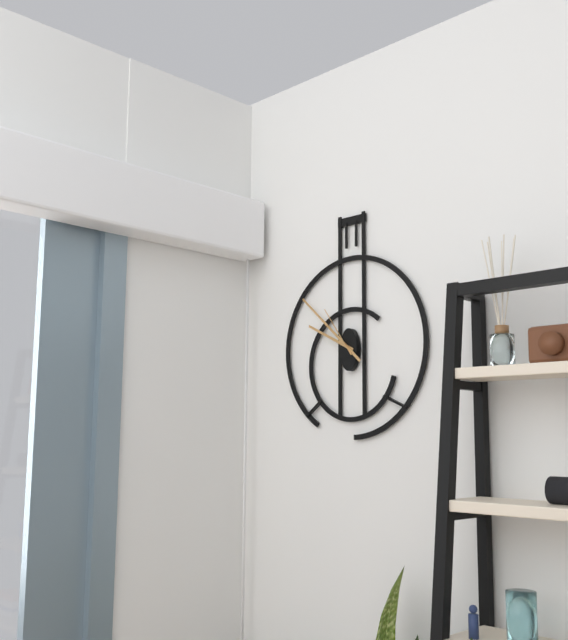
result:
9,52,54
